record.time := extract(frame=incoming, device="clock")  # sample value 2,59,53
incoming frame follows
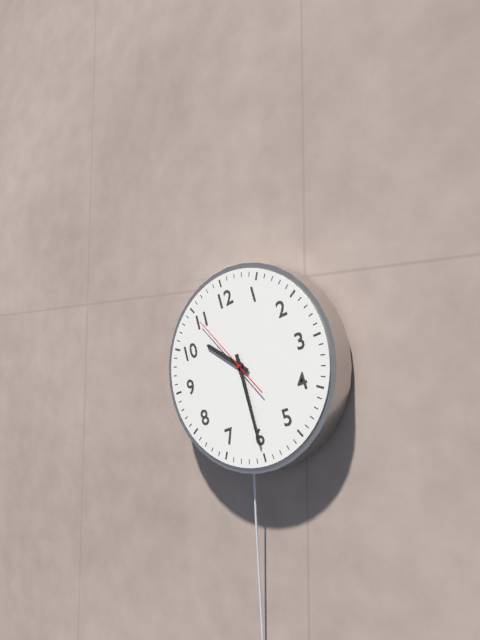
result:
10,30,55
